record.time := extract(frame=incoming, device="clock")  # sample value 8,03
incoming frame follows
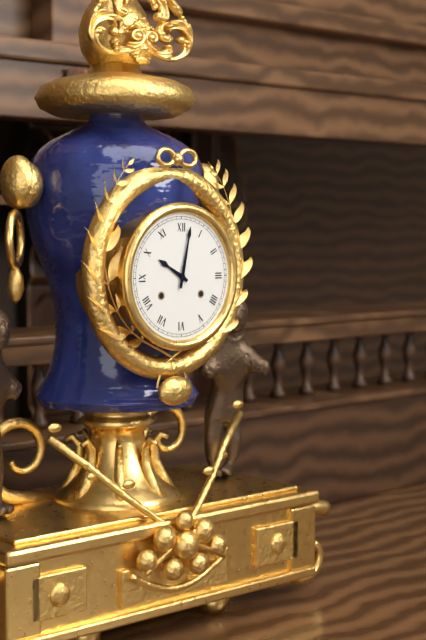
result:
10,02
